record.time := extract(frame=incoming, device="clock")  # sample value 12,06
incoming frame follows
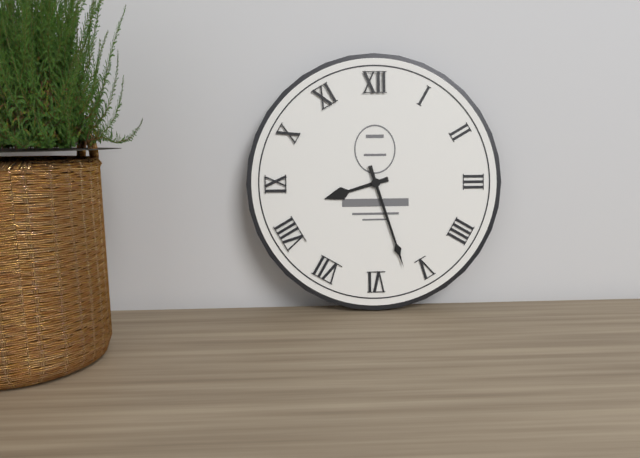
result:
8,27
